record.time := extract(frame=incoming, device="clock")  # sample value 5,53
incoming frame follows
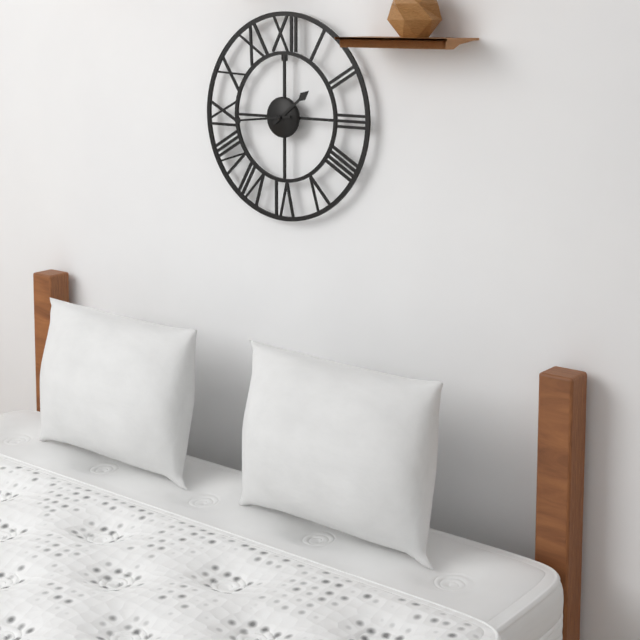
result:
1,44
